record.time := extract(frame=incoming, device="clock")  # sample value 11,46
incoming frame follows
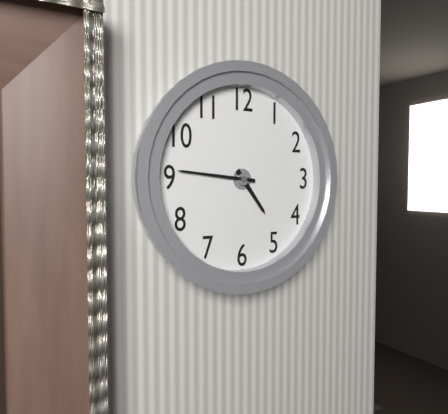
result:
4,46
